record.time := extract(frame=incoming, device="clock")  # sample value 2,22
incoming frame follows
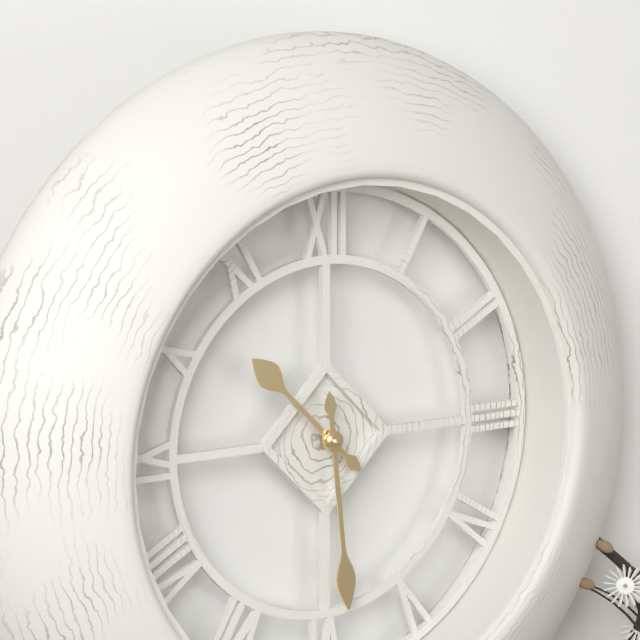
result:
10,29
